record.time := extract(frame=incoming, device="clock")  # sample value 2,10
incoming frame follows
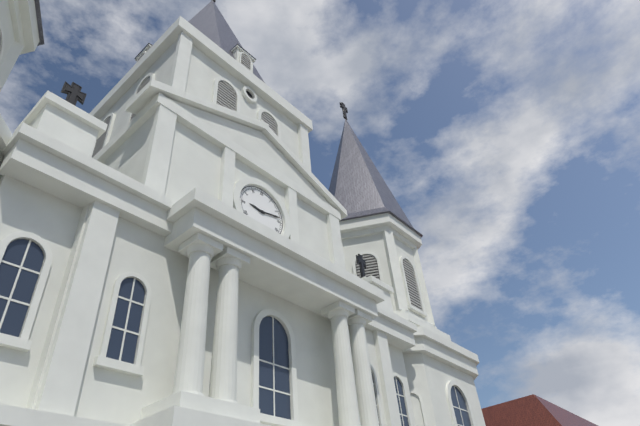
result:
9,13
